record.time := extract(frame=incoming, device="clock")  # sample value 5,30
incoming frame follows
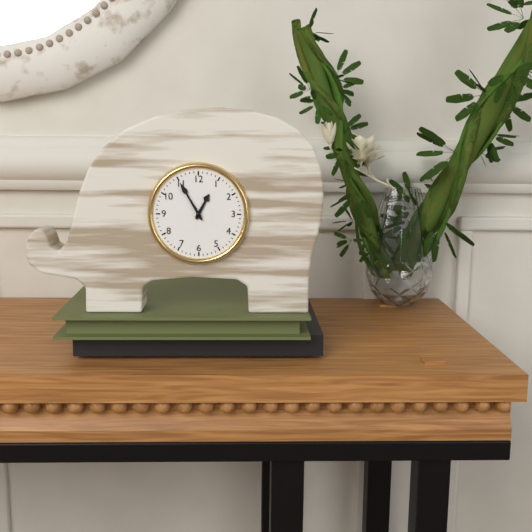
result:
12,55
